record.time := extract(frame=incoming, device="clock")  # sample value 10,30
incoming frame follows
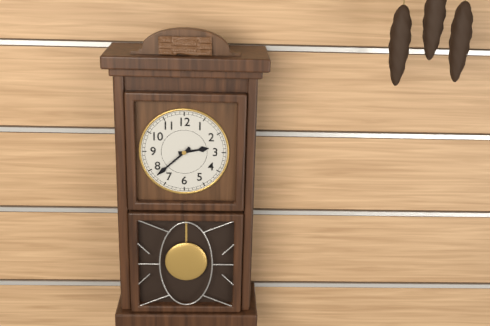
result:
2,38
